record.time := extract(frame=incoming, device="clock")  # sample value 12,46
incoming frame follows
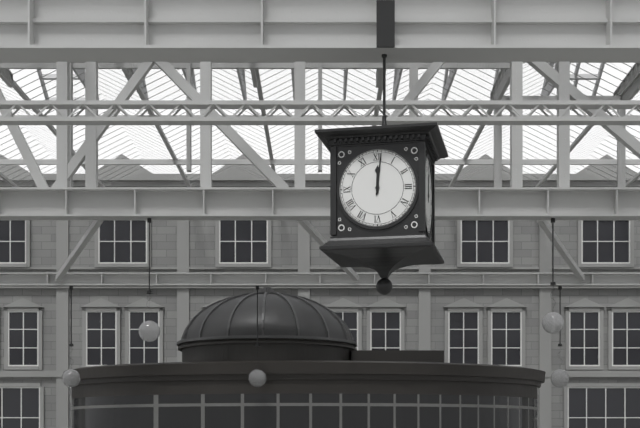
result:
12,01
